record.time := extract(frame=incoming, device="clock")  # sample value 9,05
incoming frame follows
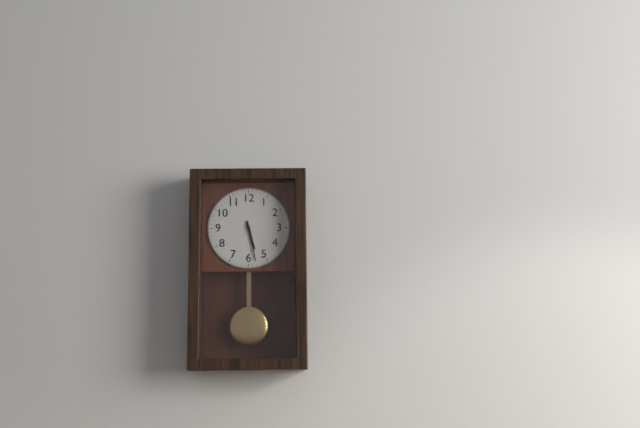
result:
5,28
